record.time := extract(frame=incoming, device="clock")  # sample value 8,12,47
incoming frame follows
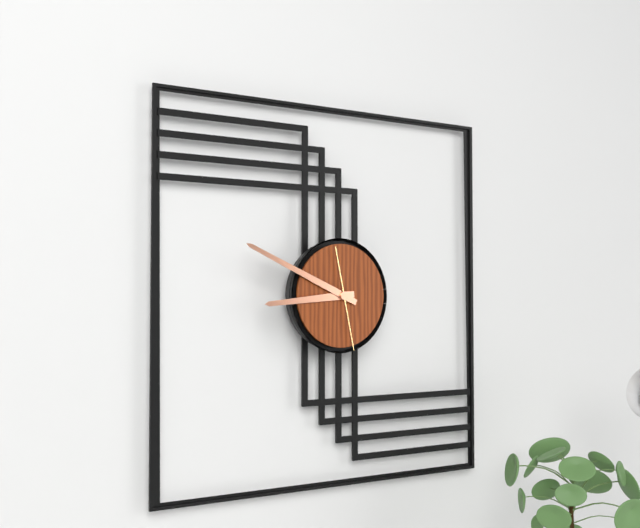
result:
8,49,28
